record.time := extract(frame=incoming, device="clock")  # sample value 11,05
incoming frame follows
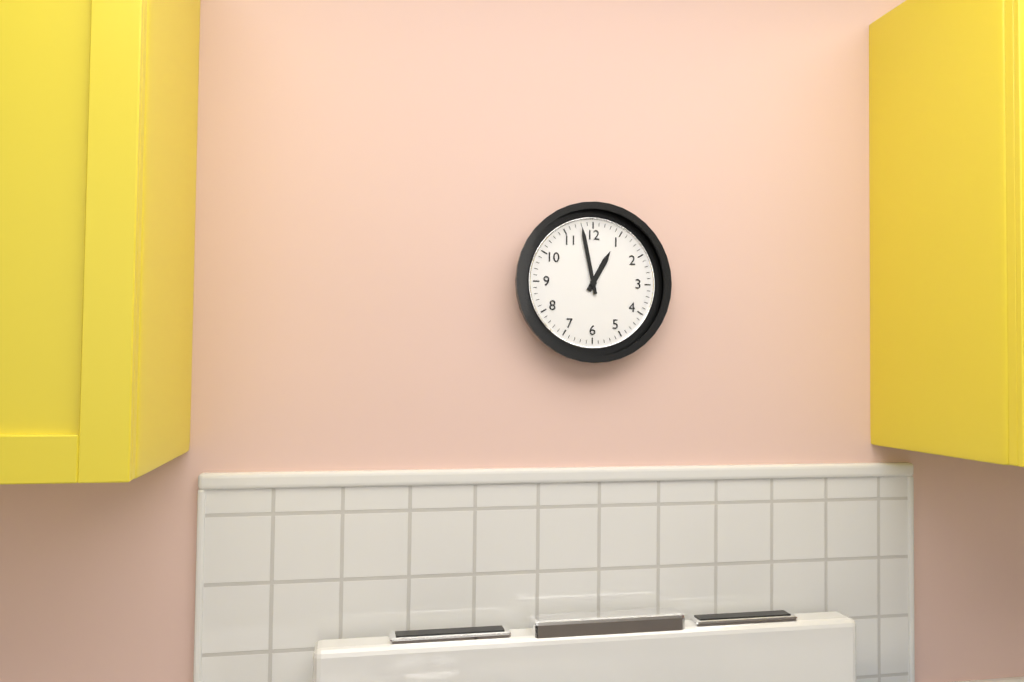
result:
12,58
